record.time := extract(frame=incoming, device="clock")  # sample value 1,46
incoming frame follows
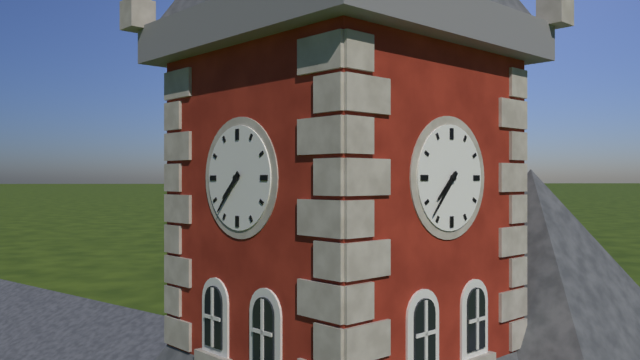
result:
7,37
